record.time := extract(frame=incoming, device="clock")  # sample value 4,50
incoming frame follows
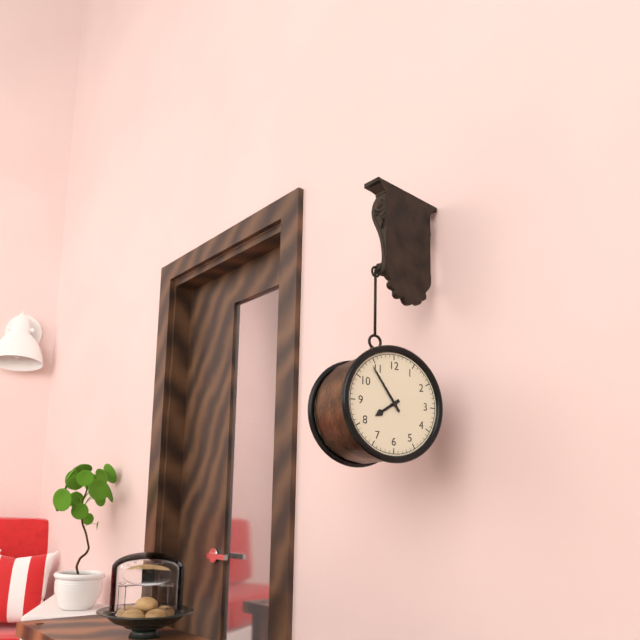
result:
7,54
